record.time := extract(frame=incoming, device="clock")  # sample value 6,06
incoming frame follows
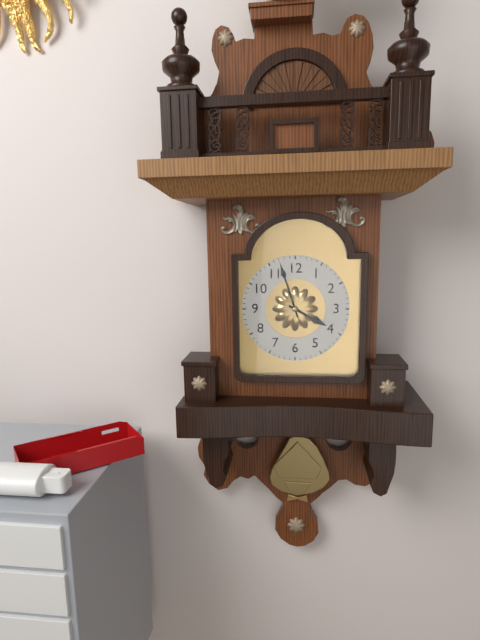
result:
3,57
